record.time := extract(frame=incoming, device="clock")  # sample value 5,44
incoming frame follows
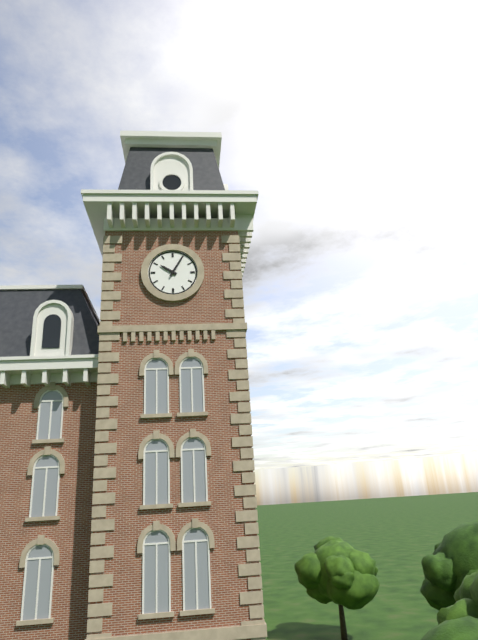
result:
10,05
